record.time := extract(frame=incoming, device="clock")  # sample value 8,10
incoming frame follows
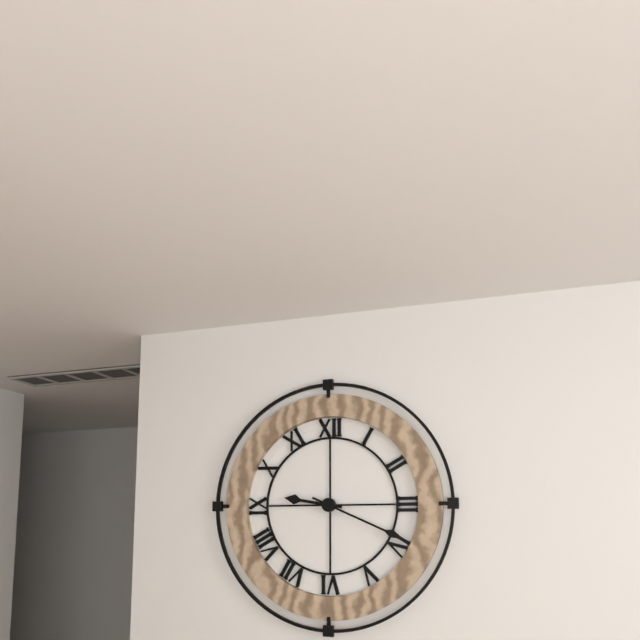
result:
9,19
